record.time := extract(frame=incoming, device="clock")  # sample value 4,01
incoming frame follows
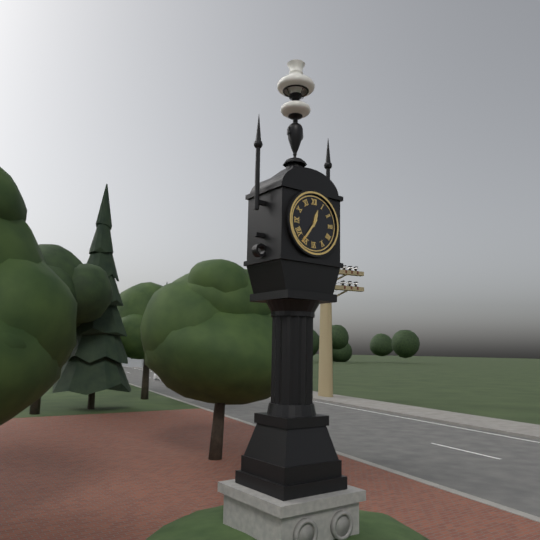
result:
12,36
